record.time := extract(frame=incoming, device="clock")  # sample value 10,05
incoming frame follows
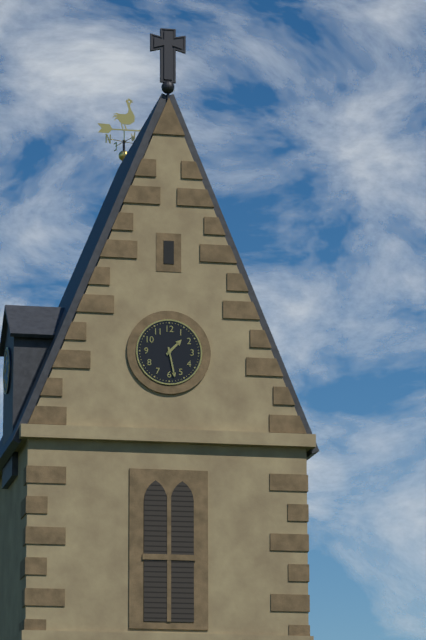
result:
1,28
